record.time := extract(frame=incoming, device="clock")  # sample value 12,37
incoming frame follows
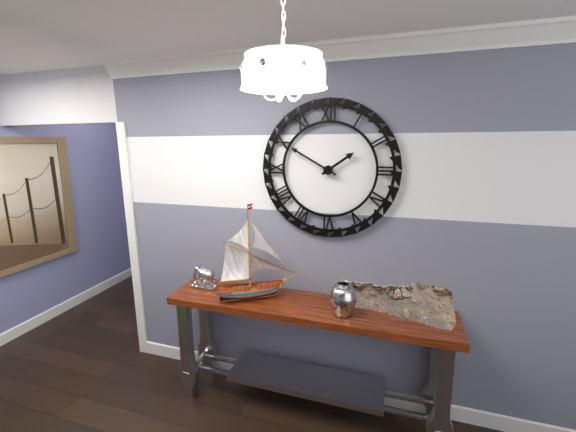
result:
1,50
